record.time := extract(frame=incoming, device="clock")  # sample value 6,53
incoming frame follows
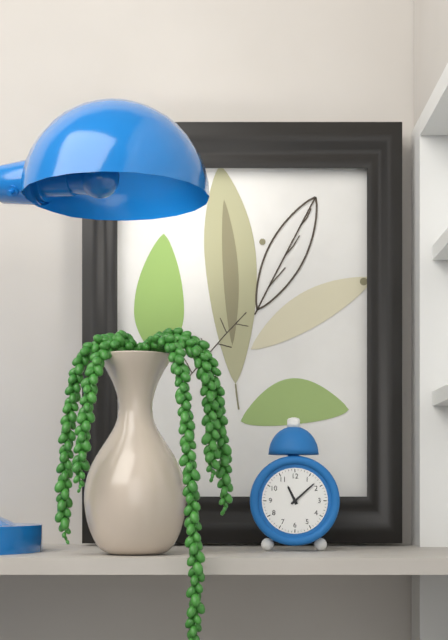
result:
11,08
